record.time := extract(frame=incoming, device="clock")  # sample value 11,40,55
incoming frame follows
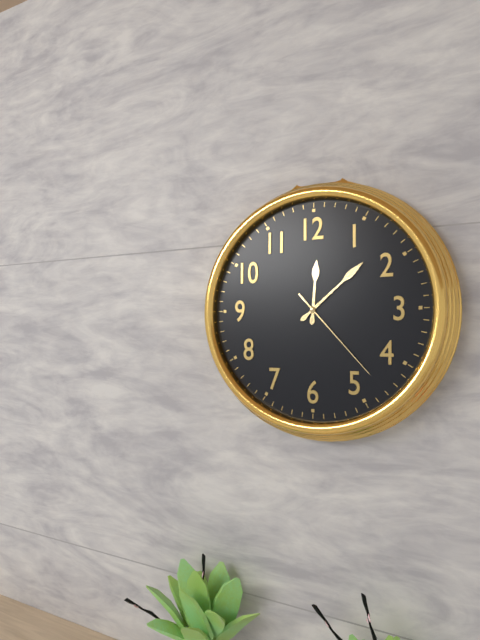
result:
12,08,23
